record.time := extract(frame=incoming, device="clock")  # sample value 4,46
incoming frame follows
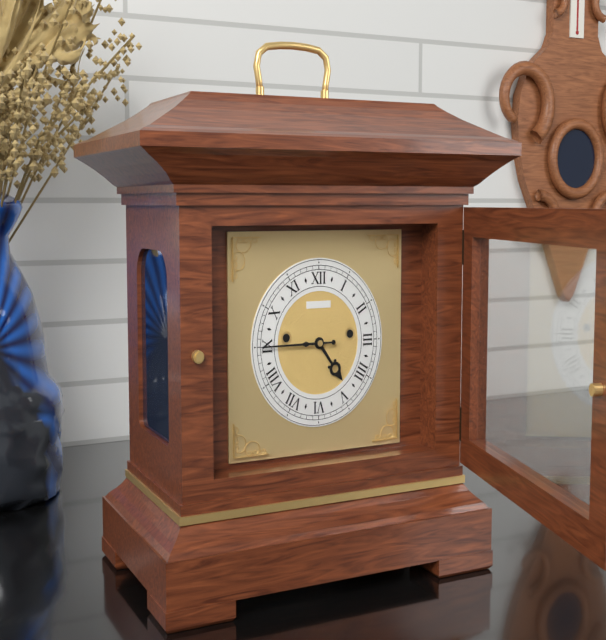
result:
4,45
